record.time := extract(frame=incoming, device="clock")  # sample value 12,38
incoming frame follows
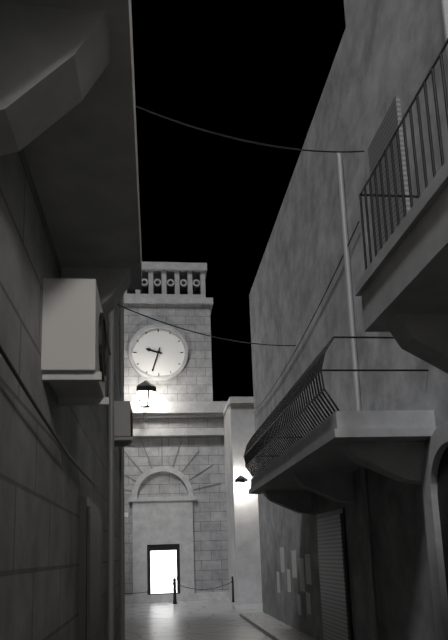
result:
9,33
